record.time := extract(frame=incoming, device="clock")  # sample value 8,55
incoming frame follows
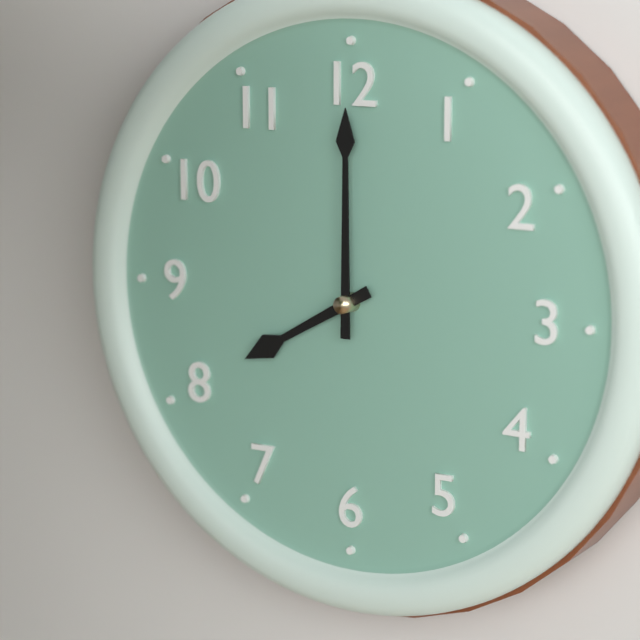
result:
8,00
